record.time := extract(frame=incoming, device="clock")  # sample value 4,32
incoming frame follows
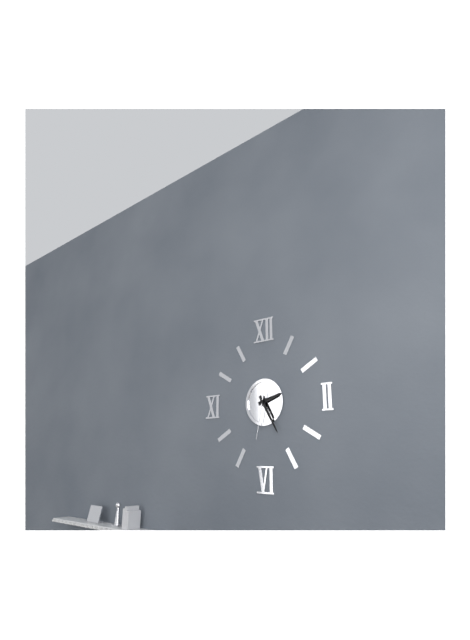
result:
2,25
